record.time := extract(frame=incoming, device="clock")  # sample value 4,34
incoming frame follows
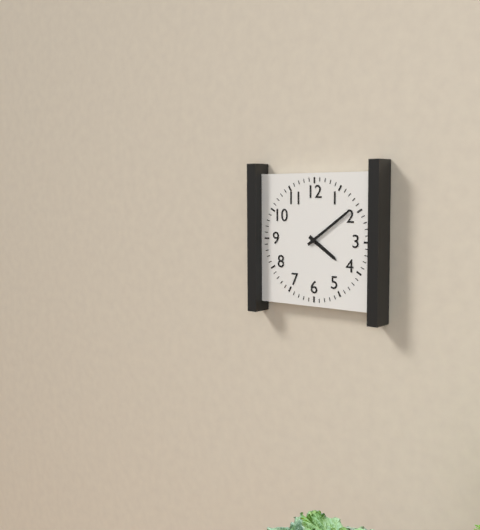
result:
4,09
